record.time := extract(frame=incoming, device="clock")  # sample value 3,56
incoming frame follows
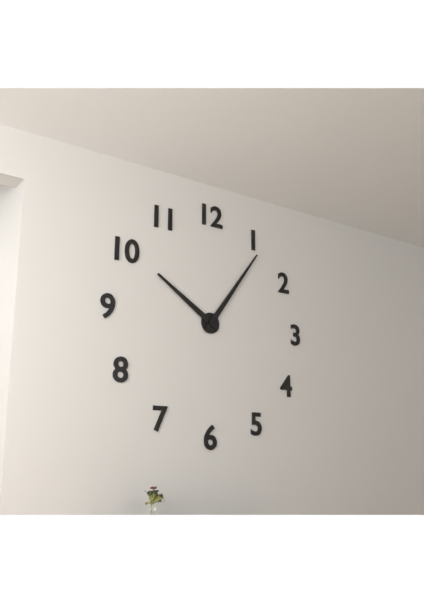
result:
10,06
